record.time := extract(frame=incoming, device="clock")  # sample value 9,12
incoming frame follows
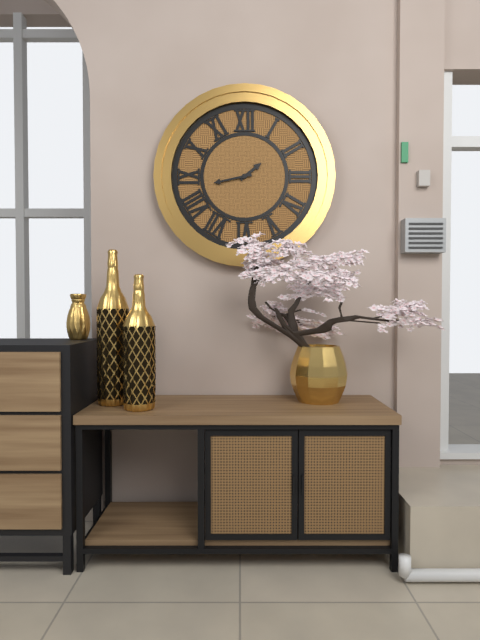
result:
1,43
